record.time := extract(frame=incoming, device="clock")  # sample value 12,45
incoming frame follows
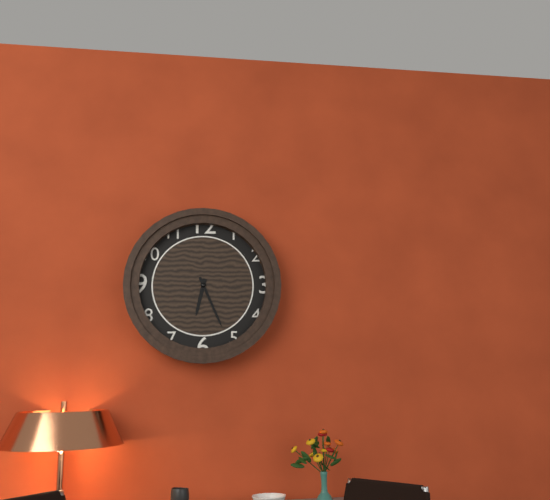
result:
6,26
